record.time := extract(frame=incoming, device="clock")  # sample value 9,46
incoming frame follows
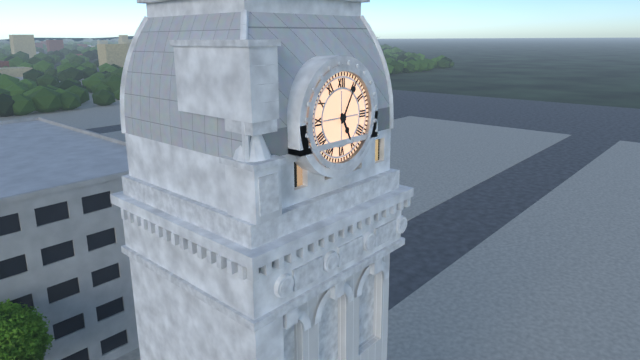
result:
5,05
